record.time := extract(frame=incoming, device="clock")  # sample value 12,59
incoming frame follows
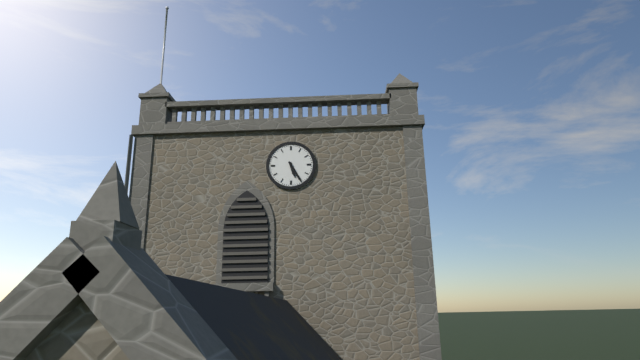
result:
5,25
